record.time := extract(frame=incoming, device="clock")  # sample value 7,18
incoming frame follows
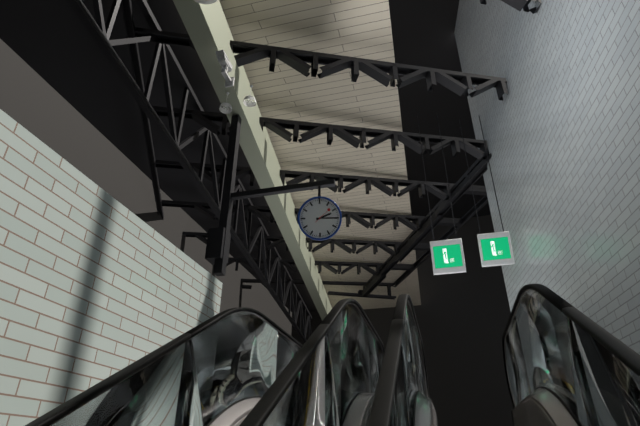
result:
2,15
